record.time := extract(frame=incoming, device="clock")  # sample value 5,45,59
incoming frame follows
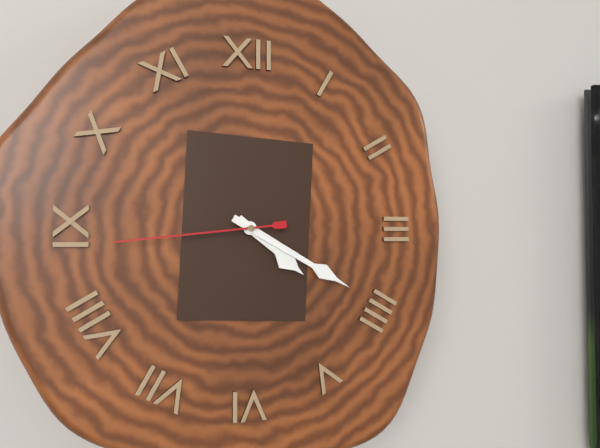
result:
4,20,44
